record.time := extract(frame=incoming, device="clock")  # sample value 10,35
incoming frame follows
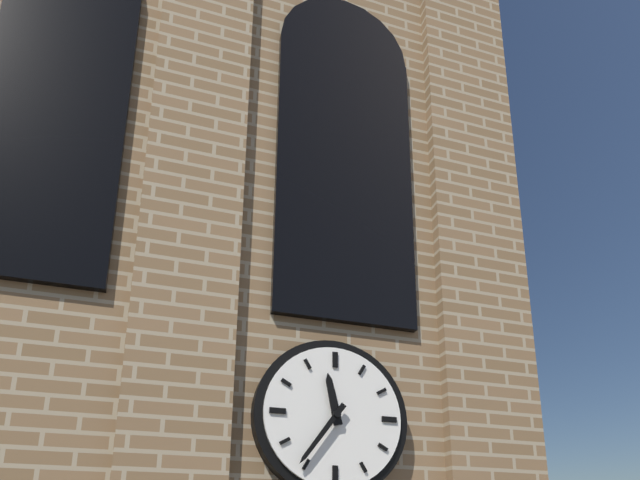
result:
11,36
